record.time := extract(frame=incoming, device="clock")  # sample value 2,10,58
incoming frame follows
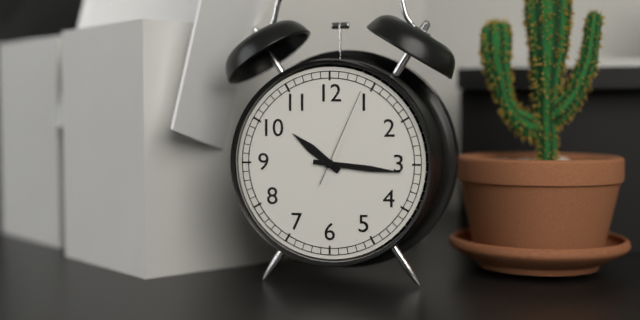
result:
10,16,04
